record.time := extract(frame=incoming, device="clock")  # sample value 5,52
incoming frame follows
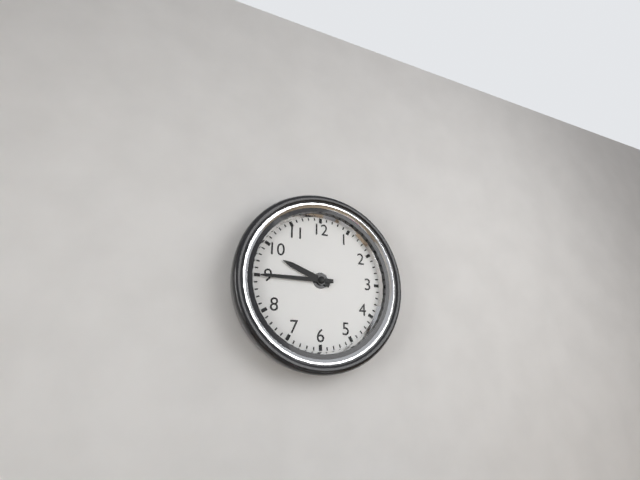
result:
9,45
